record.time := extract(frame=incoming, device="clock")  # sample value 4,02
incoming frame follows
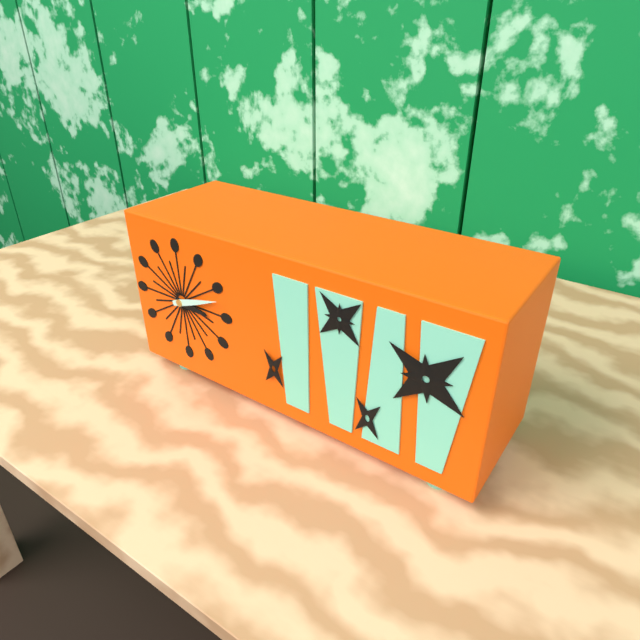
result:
3,12
